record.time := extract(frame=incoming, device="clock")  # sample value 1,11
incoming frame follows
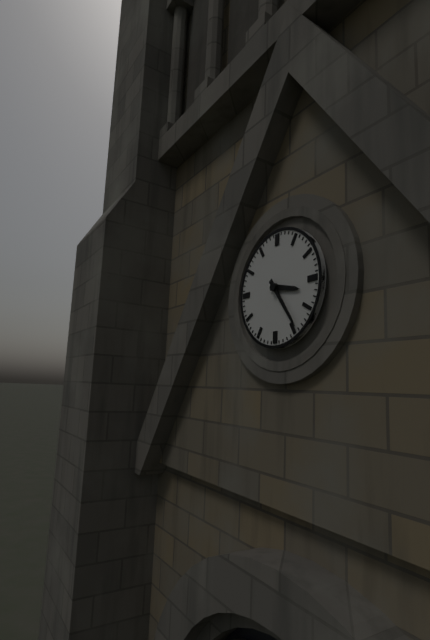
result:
3,24
